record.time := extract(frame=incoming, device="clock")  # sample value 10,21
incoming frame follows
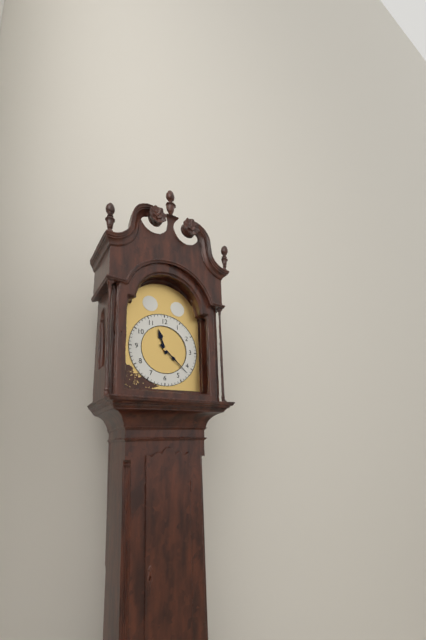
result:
11,22
